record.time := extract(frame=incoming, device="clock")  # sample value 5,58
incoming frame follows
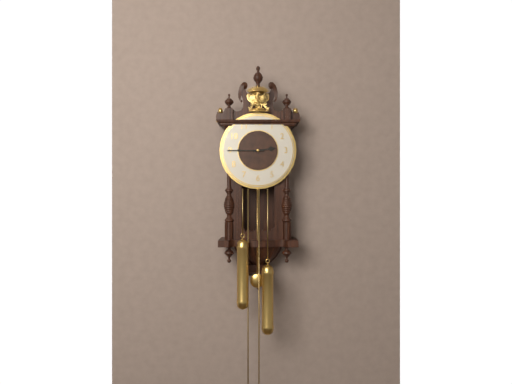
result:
2,45
